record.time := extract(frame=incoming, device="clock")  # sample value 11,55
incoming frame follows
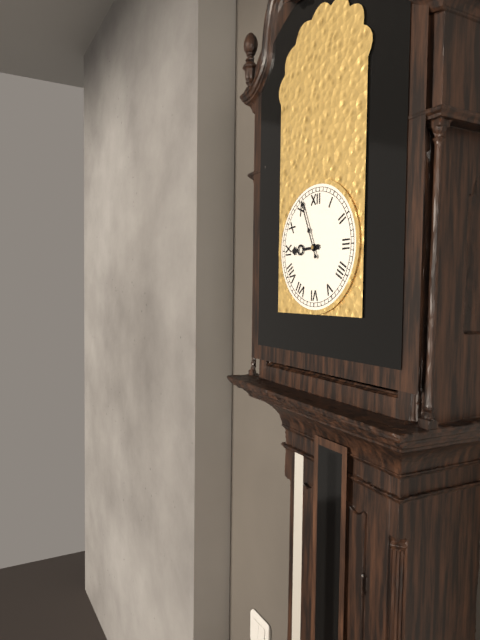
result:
8,56
